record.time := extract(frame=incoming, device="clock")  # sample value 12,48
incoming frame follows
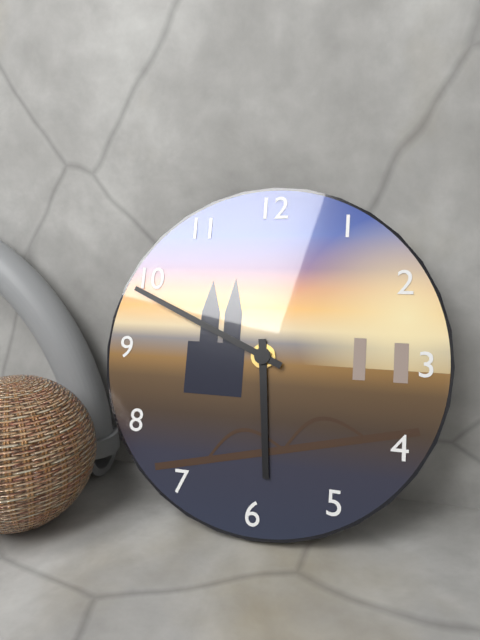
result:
5,49
